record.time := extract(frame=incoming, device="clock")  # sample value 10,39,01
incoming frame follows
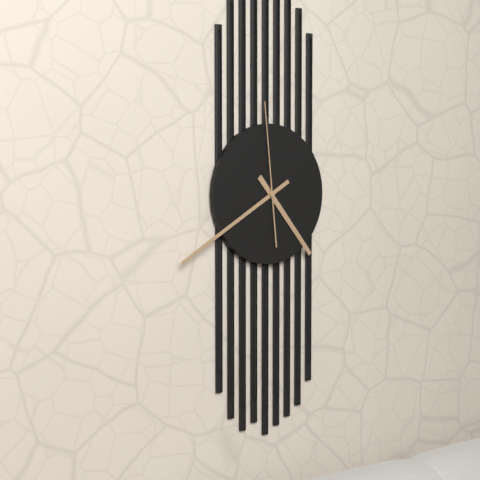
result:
4,40,59
